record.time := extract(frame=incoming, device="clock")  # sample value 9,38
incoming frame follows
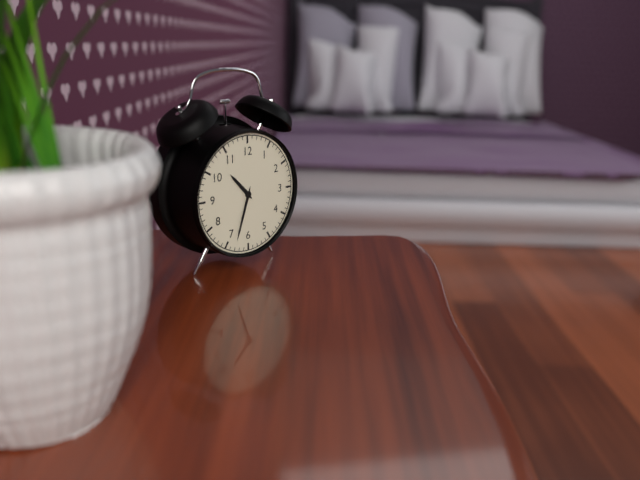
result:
10,33
